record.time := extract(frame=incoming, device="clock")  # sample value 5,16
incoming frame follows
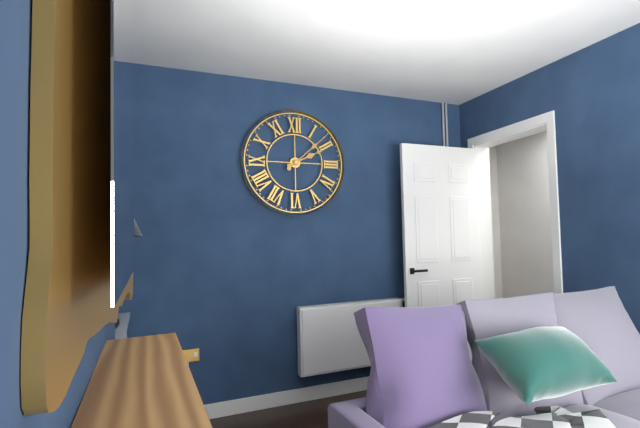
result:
2,08
